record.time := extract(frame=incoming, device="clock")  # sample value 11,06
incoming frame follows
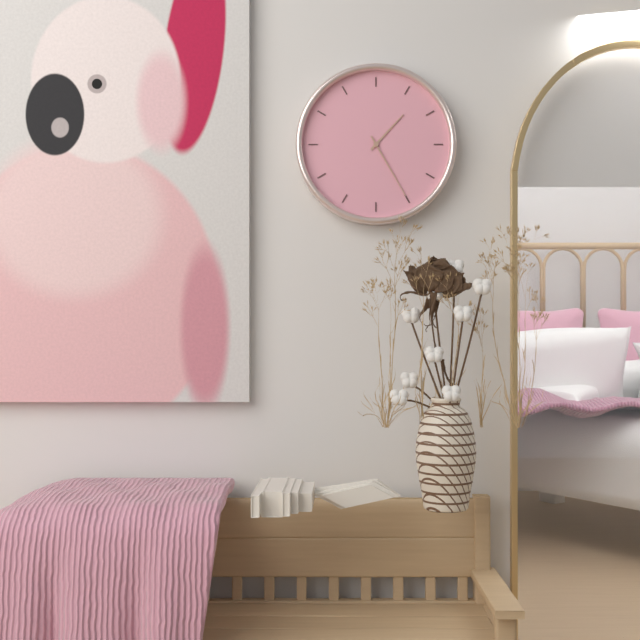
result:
1,25
